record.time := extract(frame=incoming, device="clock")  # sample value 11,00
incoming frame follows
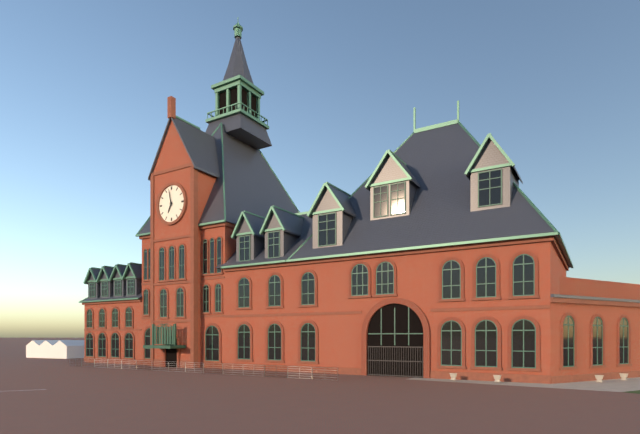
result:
6,58
